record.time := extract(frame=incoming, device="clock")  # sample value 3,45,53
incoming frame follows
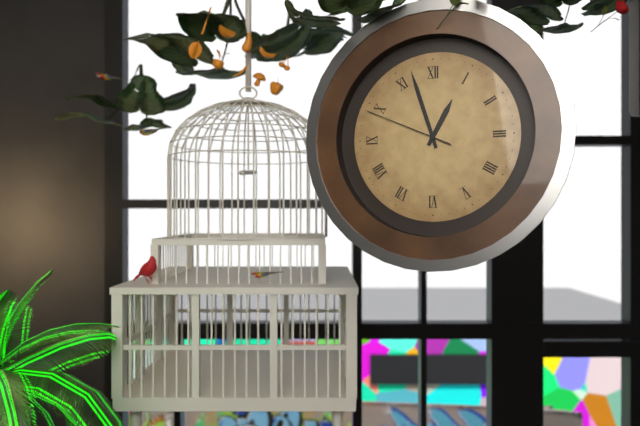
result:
12,57,49
